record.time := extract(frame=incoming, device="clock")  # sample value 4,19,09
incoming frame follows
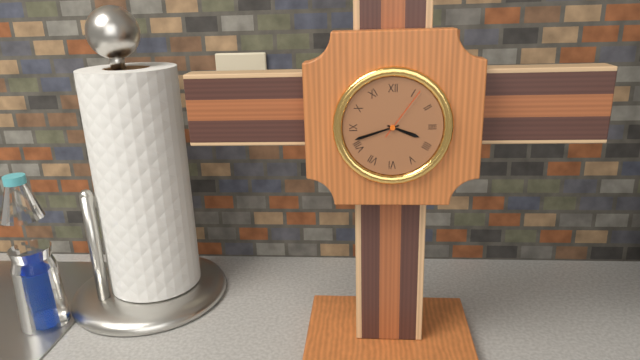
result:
3,42,06
